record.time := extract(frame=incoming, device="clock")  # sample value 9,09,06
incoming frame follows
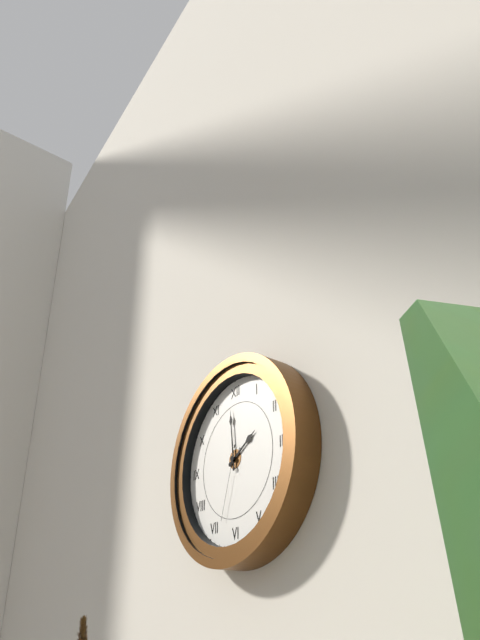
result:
1,59,33
